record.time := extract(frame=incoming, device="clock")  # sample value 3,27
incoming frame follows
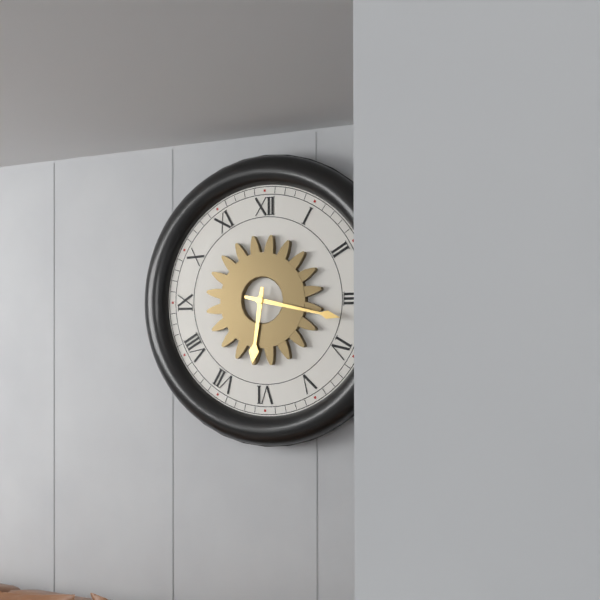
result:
6,17
